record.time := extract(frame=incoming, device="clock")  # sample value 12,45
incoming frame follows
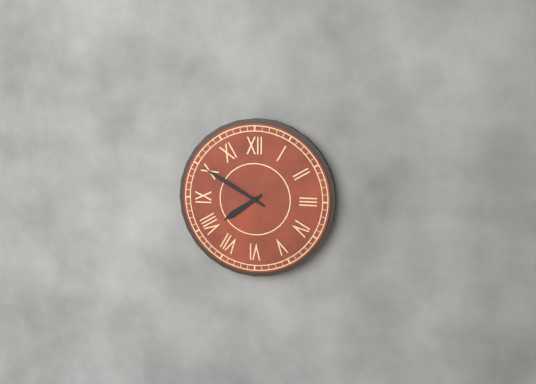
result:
7,50
